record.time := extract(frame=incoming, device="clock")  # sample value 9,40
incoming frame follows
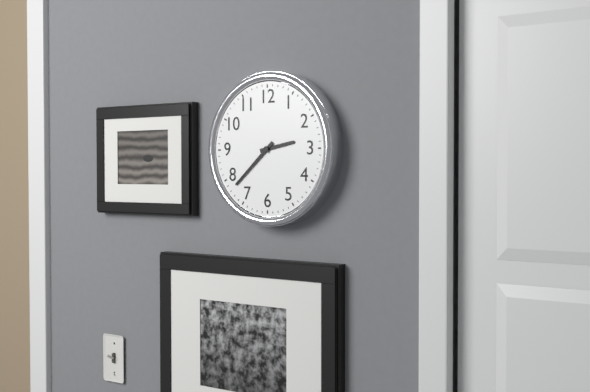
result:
2,38
